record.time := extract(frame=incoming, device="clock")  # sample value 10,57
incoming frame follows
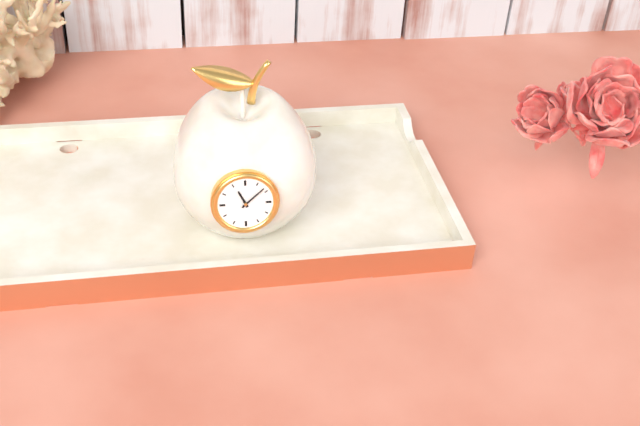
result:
11,08
